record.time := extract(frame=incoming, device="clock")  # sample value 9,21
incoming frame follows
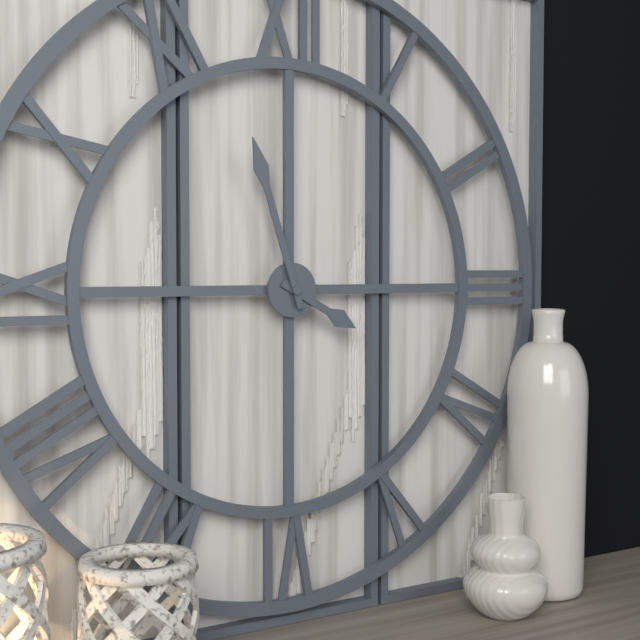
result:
3,57
